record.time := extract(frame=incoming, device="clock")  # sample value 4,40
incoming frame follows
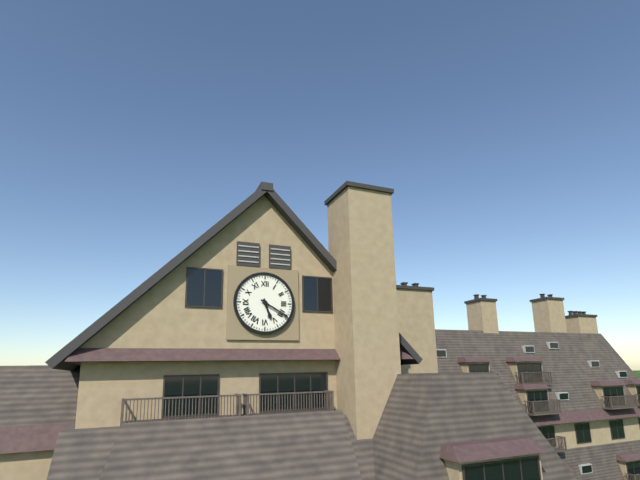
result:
5,20
